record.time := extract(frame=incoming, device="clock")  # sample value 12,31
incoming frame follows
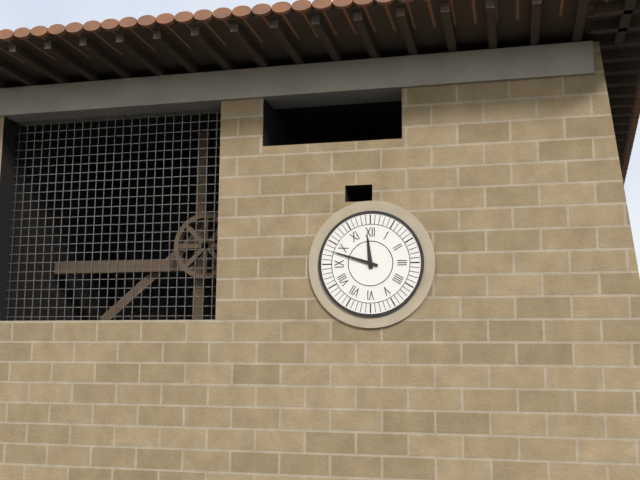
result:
11,48
